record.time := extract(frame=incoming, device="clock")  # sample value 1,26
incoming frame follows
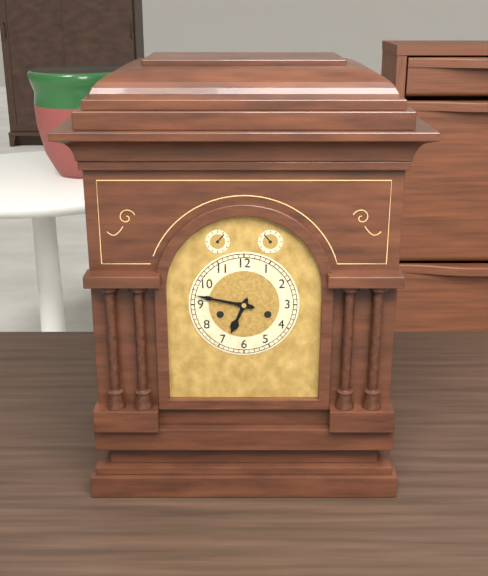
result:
6,47
